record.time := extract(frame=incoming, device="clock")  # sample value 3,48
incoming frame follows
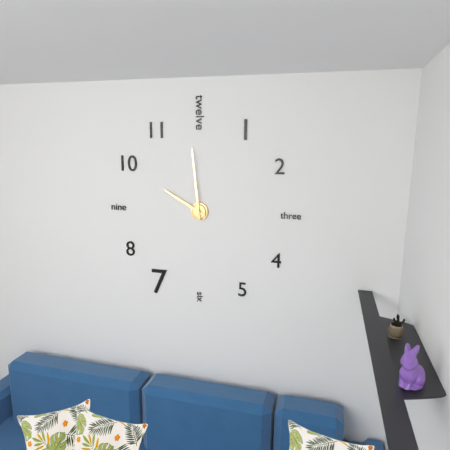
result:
9,59
